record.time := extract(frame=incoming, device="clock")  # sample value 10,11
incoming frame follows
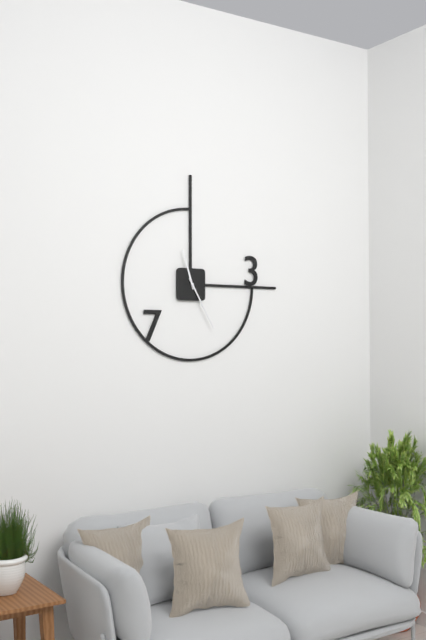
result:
11,25
